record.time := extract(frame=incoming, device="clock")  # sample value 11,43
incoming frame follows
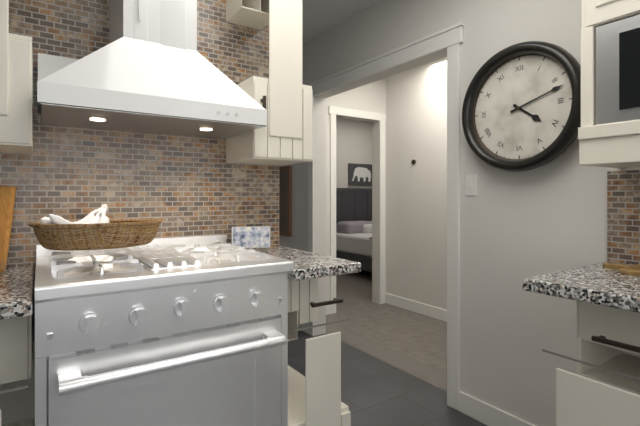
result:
4,12
